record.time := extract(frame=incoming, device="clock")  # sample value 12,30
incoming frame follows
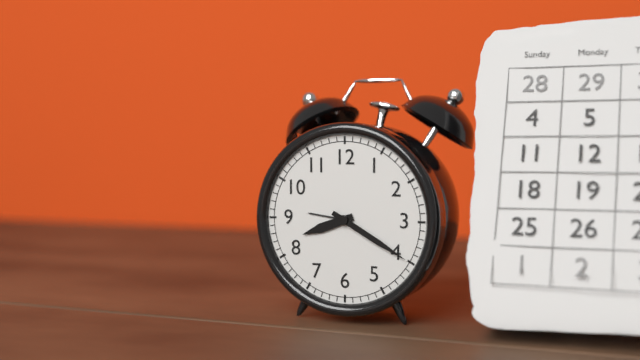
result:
8,20
